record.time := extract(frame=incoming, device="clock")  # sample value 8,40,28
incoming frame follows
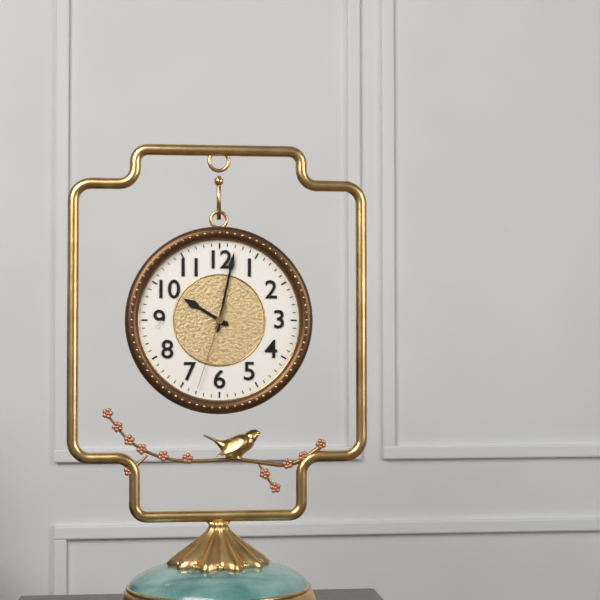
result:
10,02,33
